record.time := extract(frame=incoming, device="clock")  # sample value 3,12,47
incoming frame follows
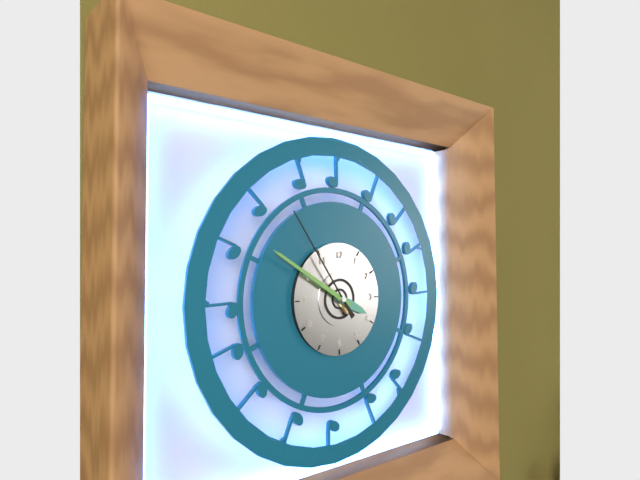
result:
3,50,54
